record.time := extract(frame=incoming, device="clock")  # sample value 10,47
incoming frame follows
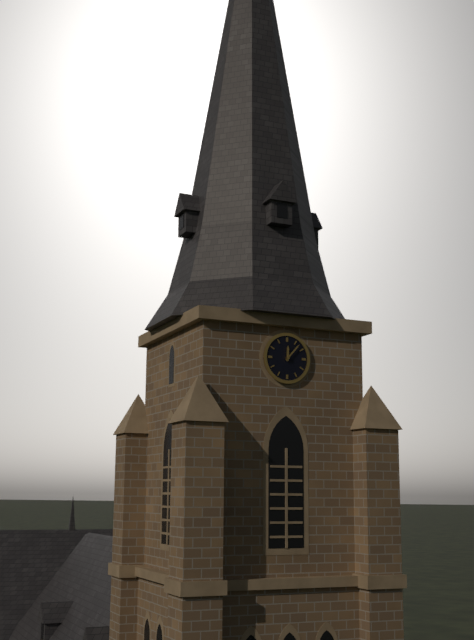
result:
12,07
